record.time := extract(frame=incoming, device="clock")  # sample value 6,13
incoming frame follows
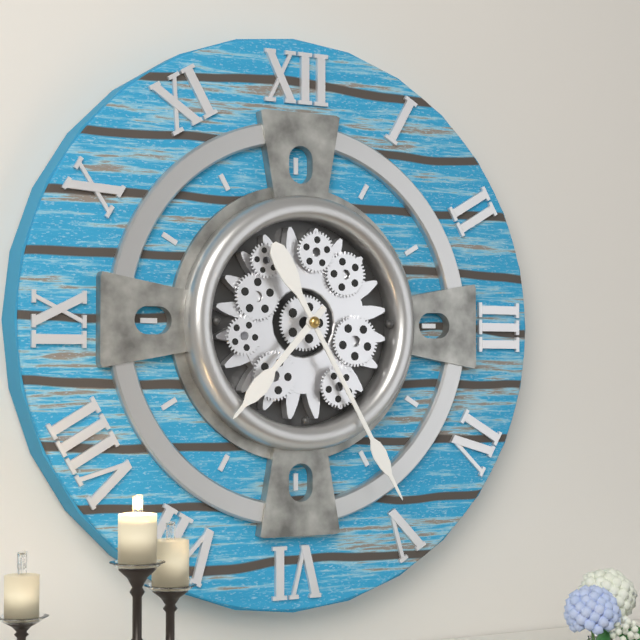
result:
7,25
